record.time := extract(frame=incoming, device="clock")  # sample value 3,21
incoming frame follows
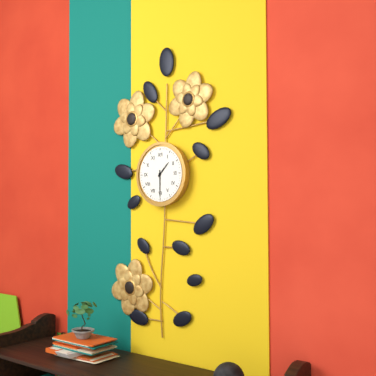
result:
1,30
